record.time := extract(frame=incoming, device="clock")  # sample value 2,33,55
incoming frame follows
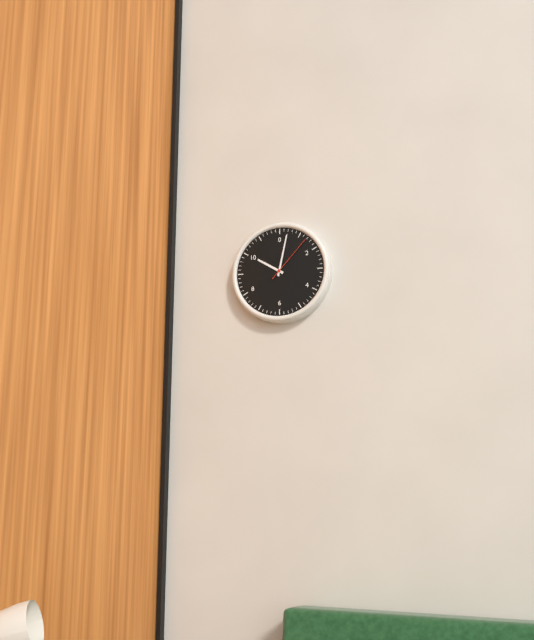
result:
10,02,07
